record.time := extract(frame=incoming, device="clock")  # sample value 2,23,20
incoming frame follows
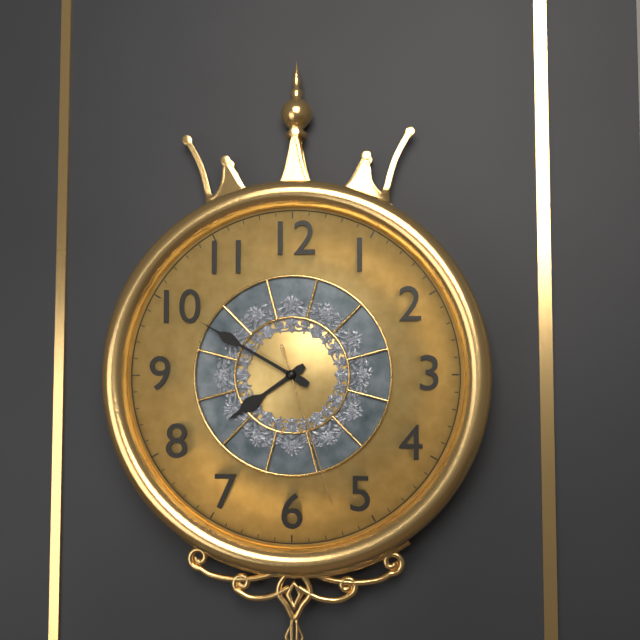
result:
7,50,27
